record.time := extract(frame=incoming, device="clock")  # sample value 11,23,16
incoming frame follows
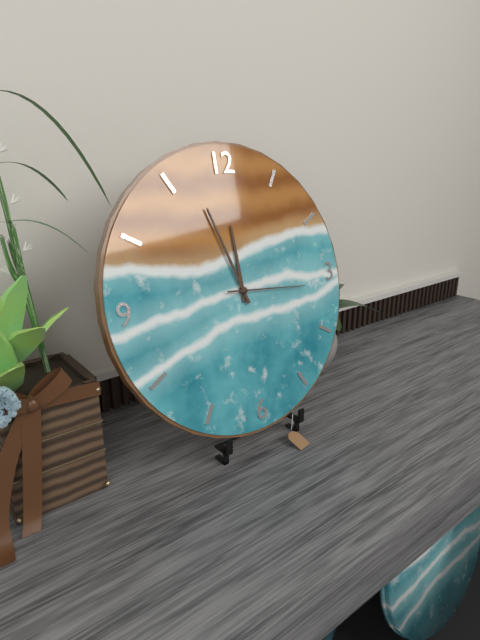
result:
11,57,16
